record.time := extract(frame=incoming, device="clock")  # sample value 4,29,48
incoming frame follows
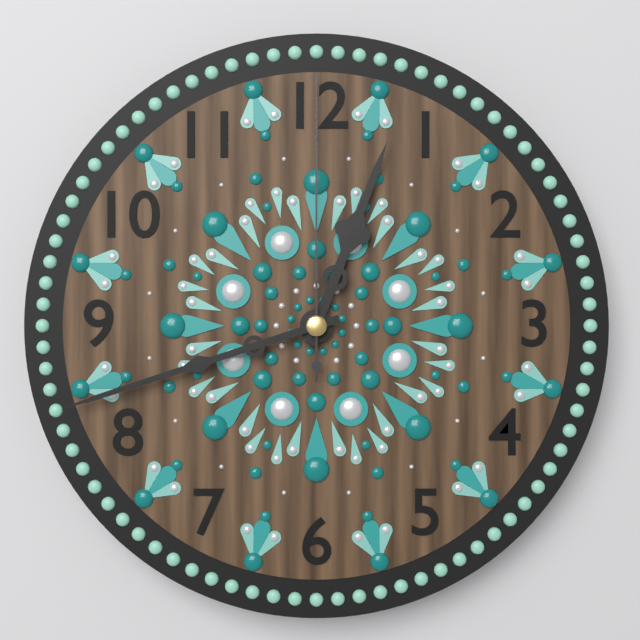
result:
12,42,00
